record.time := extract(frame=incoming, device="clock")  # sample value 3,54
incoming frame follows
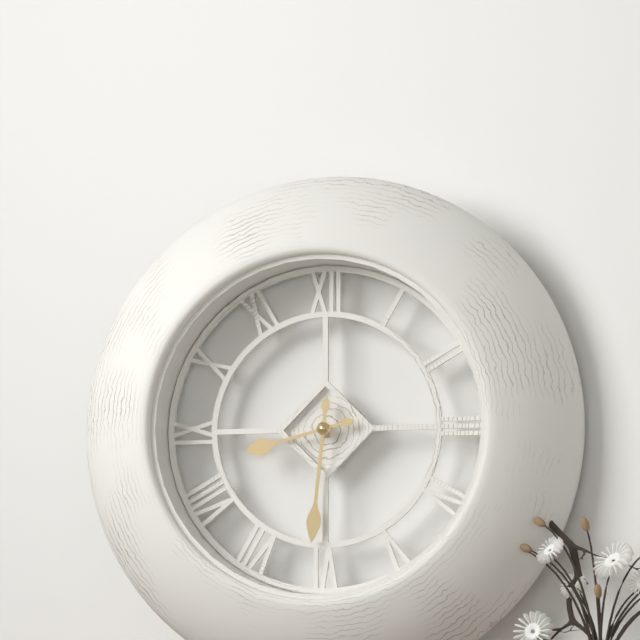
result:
8,31
